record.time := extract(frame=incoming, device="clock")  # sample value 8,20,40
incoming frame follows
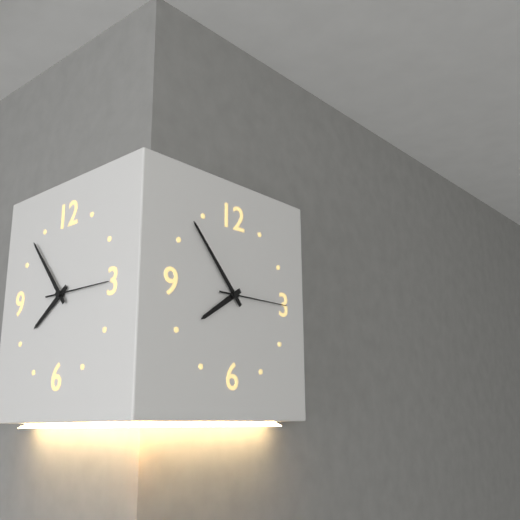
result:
7,53,15
